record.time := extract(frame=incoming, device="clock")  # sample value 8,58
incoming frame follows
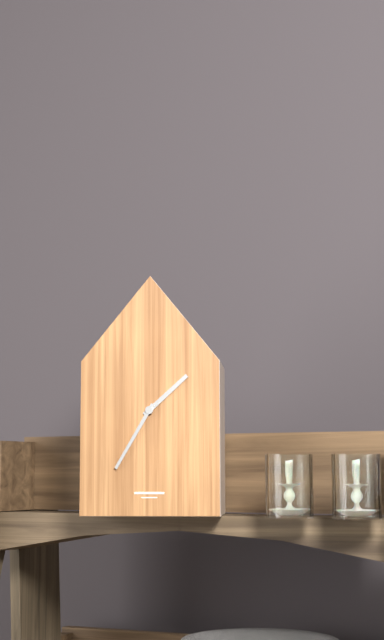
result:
1,35
